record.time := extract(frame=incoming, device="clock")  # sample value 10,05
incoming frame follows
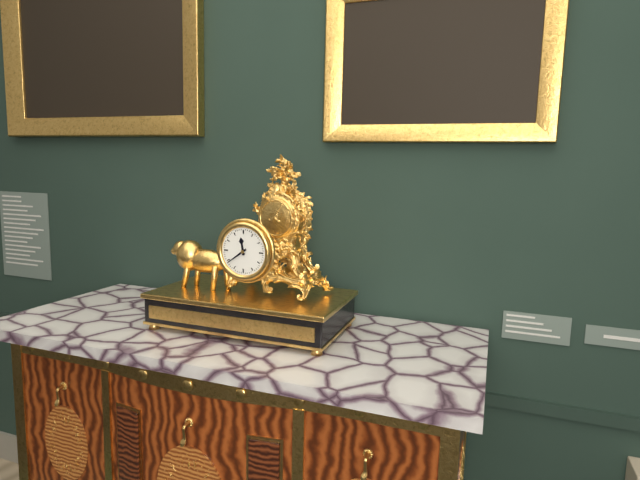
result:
11,39
